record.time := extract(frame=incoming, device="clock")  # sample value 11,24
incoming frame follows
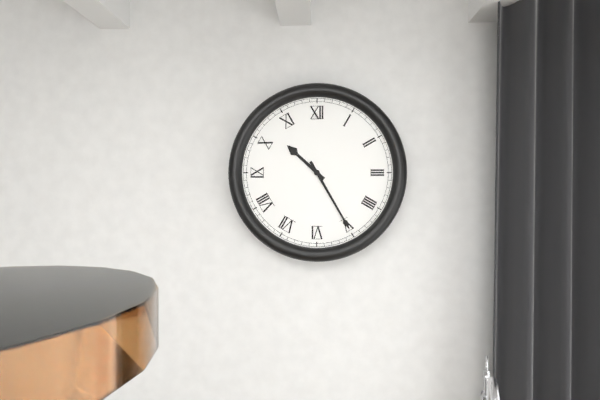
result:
10,25
